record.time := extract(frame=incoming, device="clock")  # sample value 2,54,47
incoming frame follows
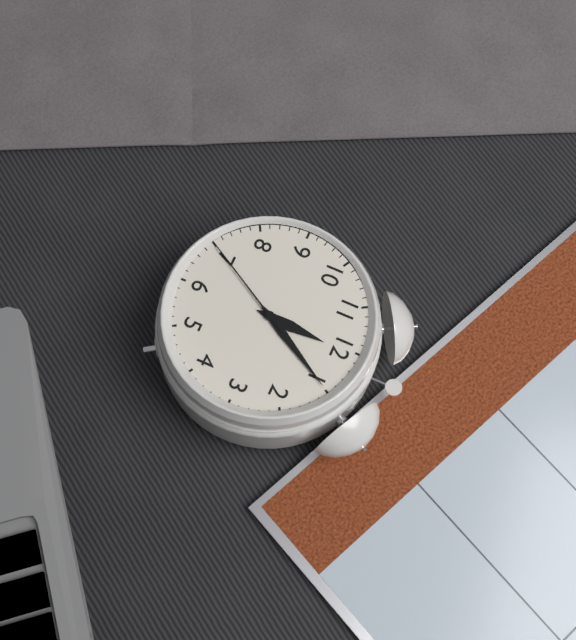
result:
12,05,35
